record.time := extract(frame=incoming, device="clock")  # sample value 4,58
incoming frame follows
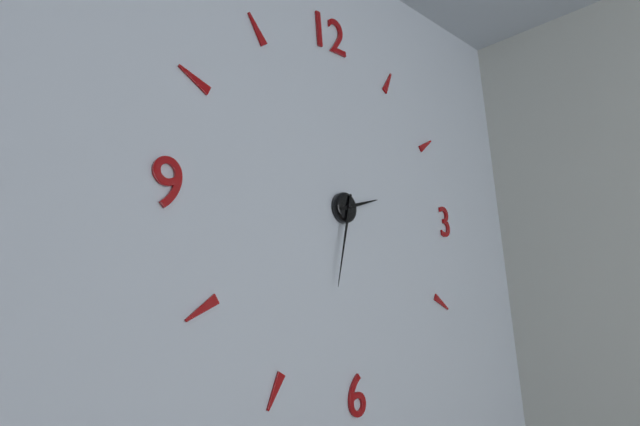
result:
2,33
